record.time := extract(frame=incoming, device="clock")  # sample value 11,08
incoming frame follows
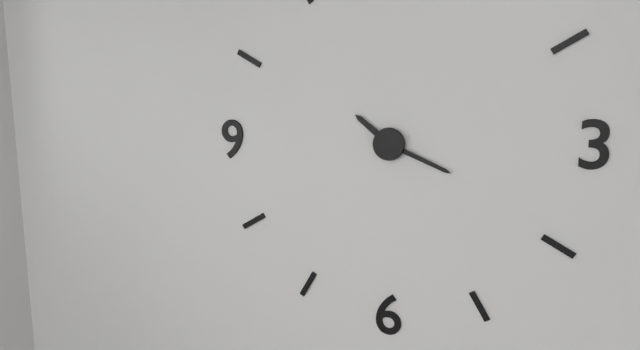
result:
10,19
